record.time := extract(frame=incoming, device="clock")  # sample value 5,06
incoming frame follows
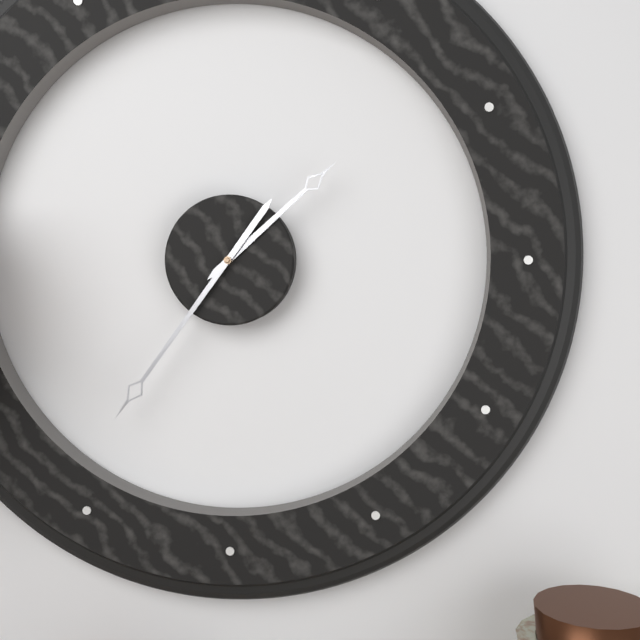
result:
1,36
